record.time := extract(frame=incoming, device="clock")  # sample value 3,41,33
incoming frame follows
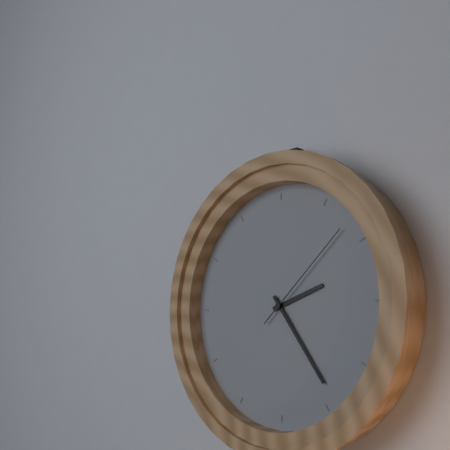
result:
2,24,08
